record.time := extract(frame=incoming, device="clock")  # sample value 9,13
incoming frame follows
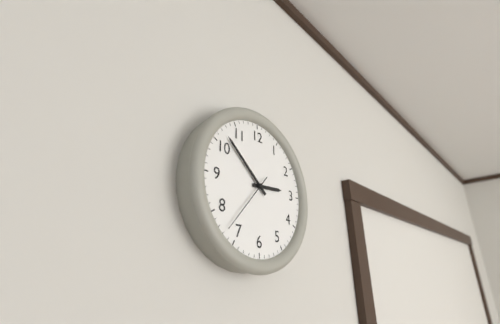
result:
2,52
